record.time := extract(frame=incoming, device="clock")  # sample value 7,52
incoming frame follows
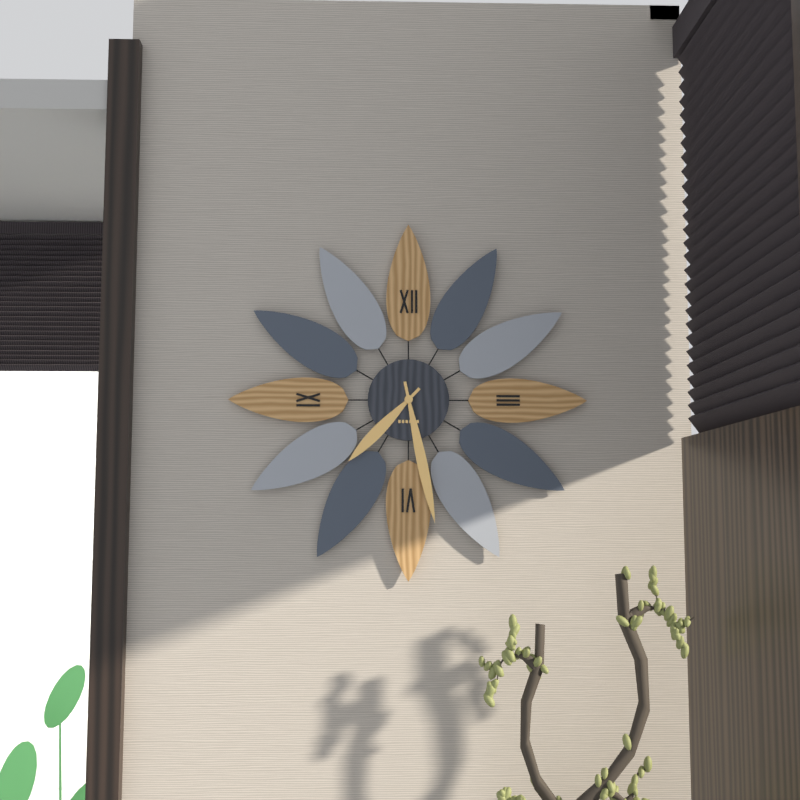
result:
7,28
